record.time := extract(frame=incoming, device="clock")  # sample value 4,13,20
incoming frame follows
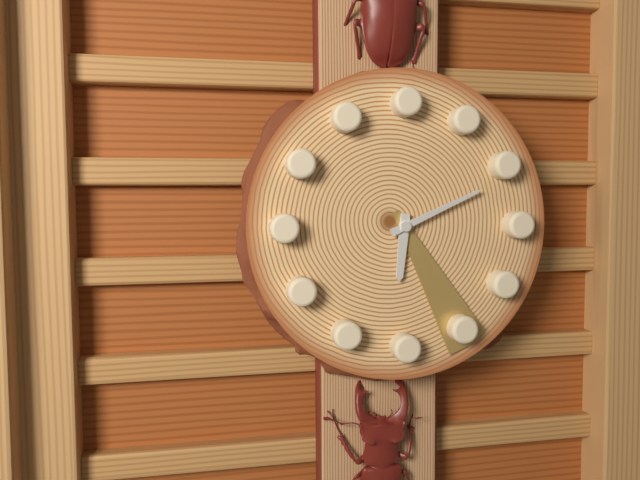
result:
6,11,25
